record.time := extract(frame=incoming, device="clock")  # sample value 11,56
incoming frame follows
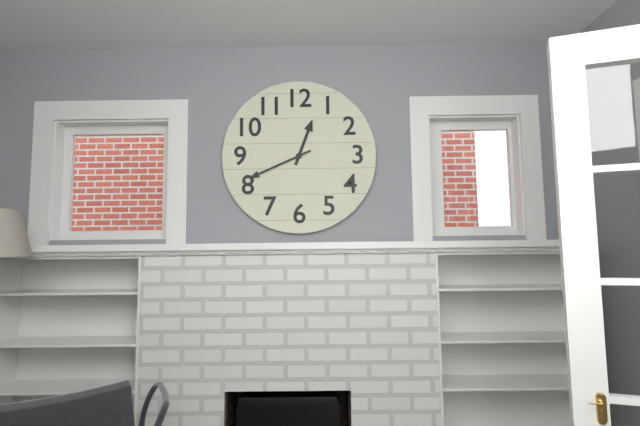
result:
12,41
